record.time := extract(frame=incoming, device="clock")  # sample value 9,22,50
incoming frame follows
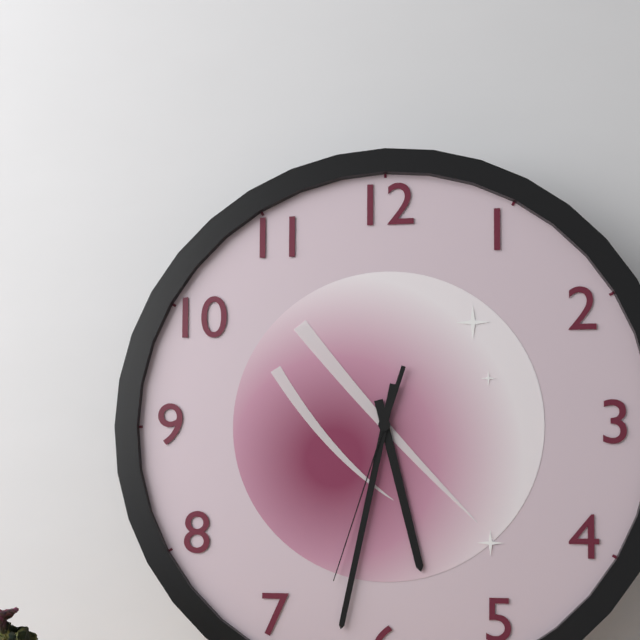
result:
5,32,33
